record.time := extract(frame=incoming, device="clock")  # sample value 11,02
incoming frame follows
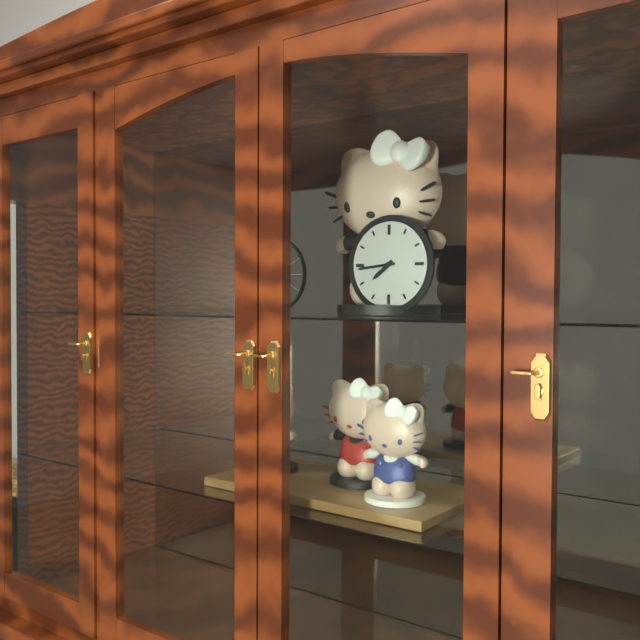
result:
7,44
